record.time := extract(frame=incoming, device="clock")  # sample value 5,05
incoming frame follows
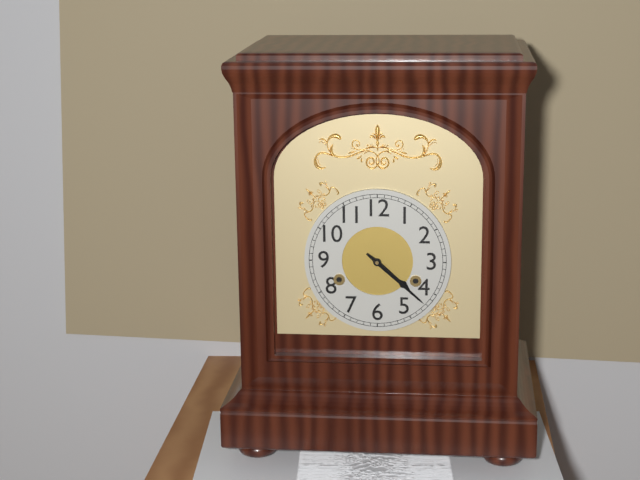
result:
4,22
